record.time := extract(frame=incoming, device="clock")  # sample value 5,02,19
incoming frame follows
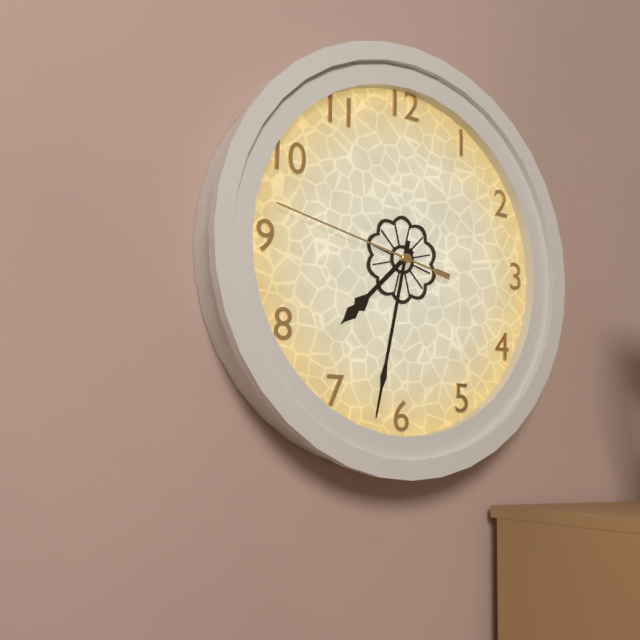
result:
7,32,47
